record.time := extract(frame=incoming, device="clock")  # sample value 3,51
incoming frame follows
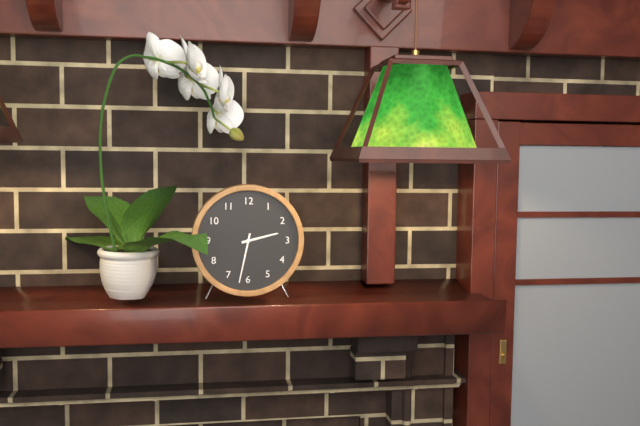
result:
2,32
